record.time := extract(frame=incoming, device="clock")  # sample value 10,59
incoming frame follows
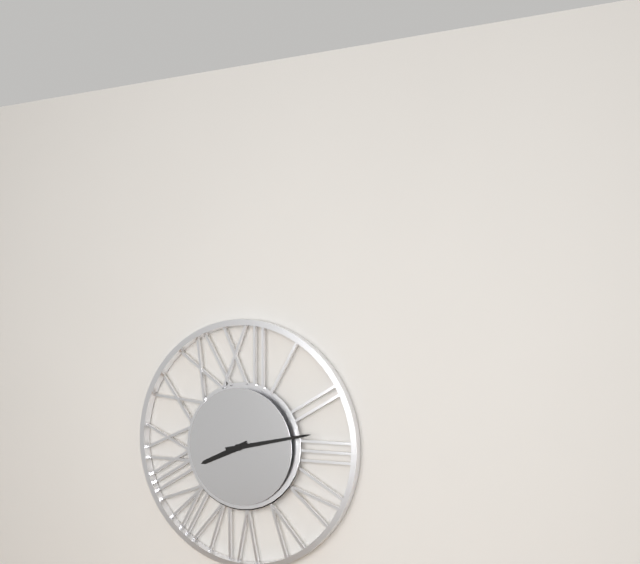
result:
8,13
